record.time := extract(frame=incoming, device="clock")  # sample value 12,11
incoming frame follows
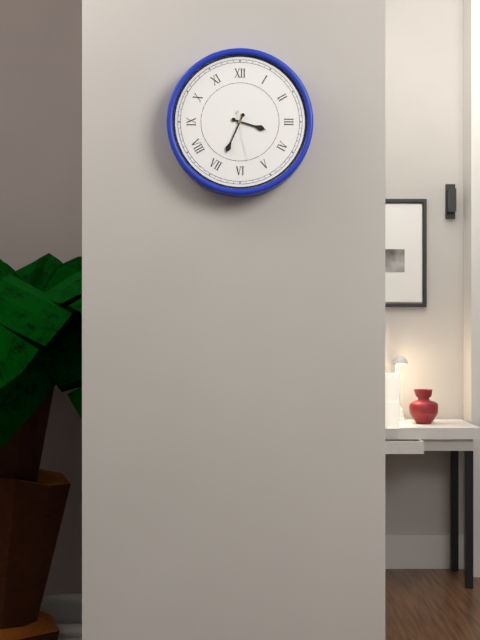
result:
3,34
